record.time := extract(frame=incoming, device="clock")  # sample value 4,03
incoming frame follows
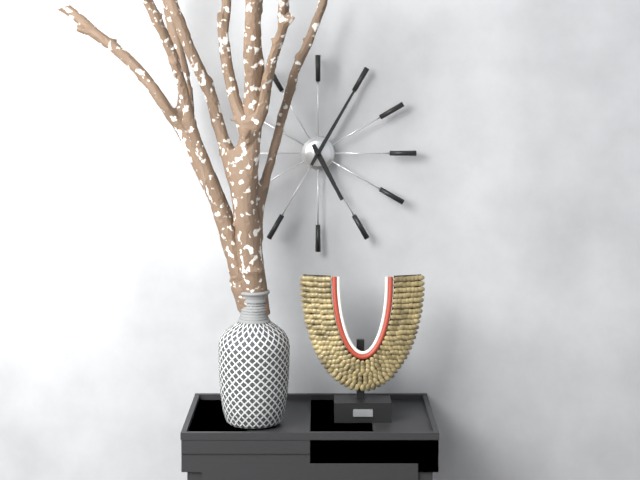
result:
5,05
